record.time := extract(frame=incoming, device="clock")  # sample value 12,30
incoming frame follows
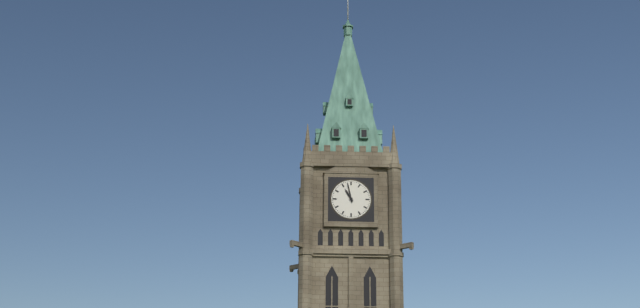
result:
10,58
